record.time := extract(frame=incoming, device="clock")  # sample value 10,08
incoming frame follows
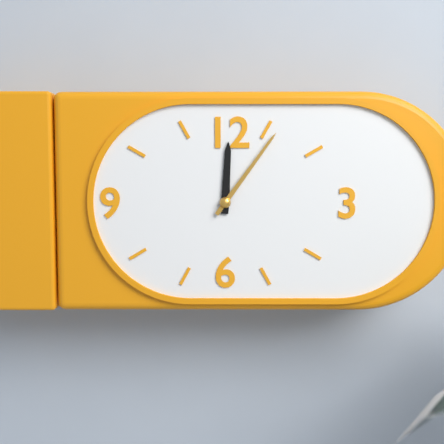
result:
12,06
